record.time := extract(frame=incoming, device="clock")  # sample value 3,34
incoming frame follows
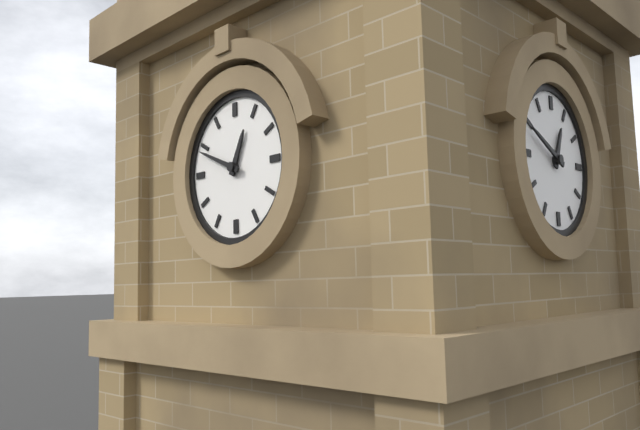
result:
12,49
